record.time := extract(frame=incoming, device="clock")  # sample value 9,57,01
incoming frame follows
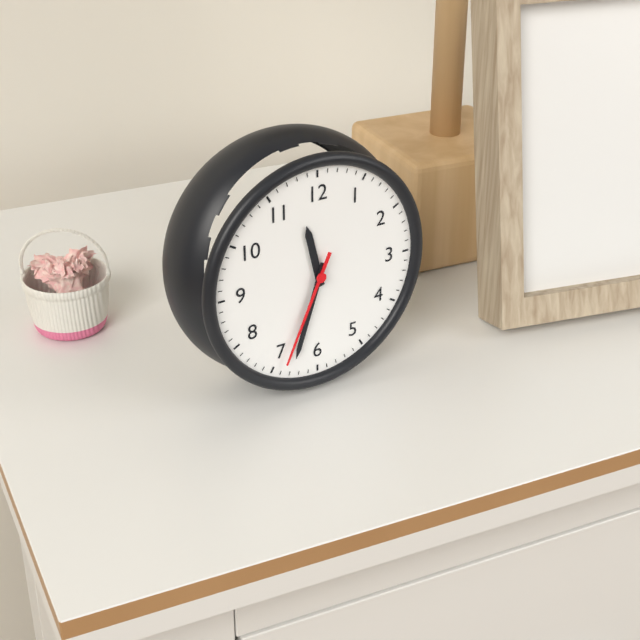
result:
11,33,34
